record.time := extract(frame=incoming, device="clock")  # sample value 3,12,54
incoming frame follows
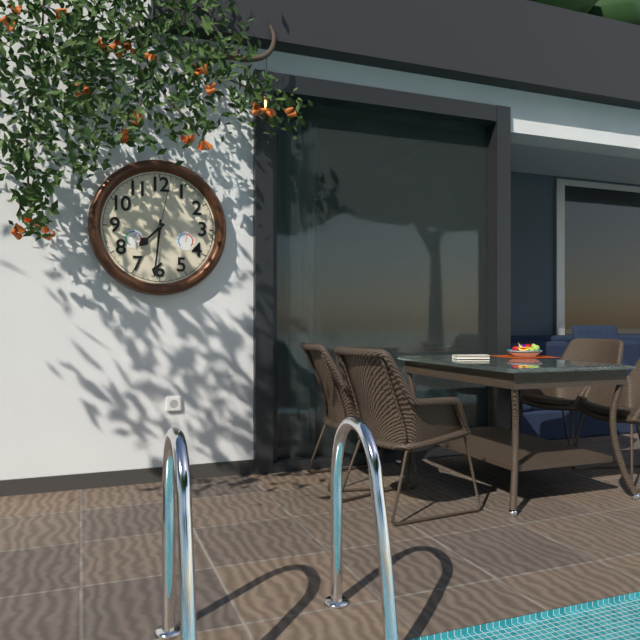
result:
7,31,02
